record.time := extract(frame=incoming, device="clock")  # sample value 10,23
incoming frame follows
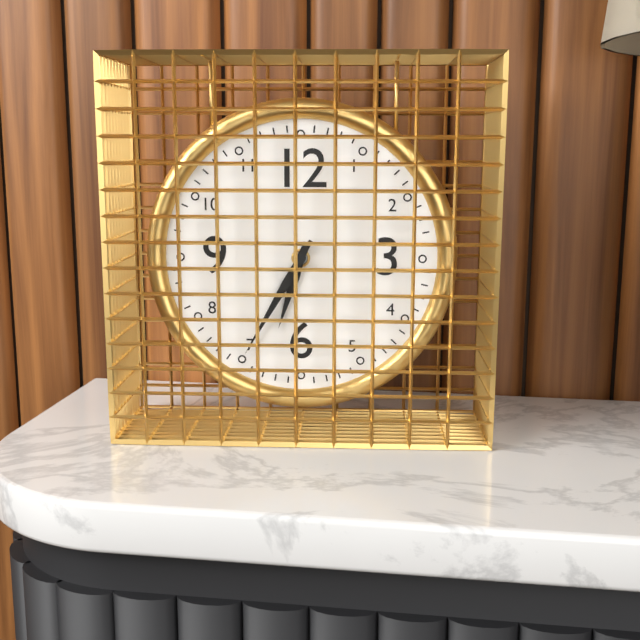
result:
6,35
